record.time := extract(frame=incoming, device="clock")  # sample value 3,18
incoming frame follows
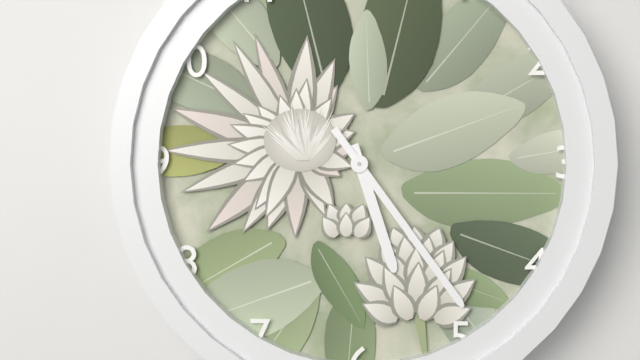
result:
5,24
